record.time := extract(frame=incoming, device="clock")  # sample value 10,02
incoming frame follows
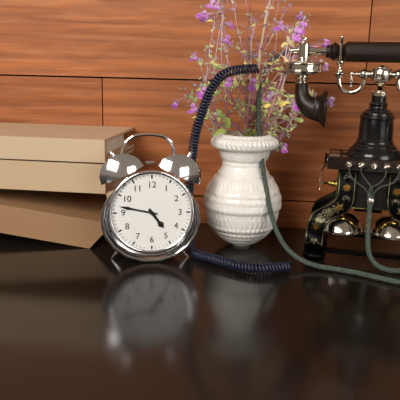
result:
4,47
